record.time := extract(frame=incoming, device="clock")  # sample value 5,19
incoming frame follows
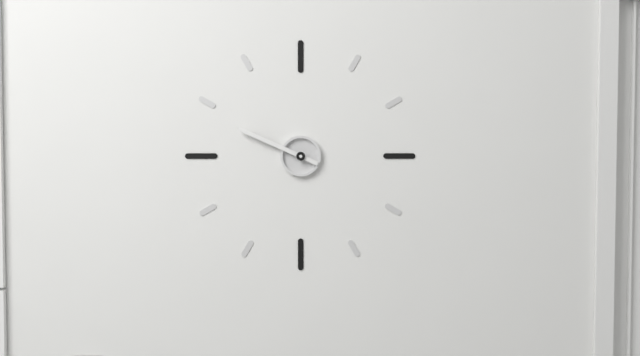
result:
9,49
